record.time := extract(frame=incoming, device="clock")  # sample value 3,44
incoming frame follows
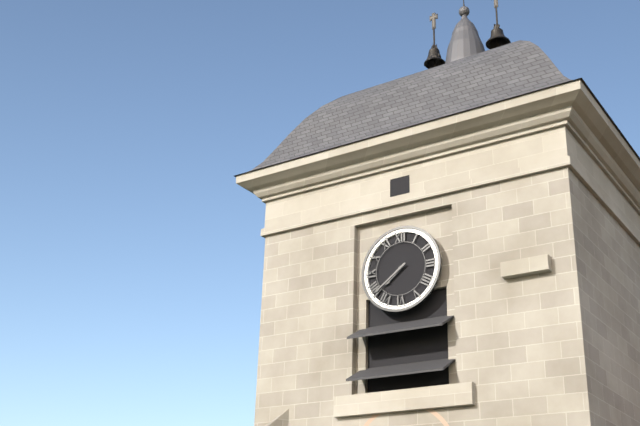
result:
7,39
